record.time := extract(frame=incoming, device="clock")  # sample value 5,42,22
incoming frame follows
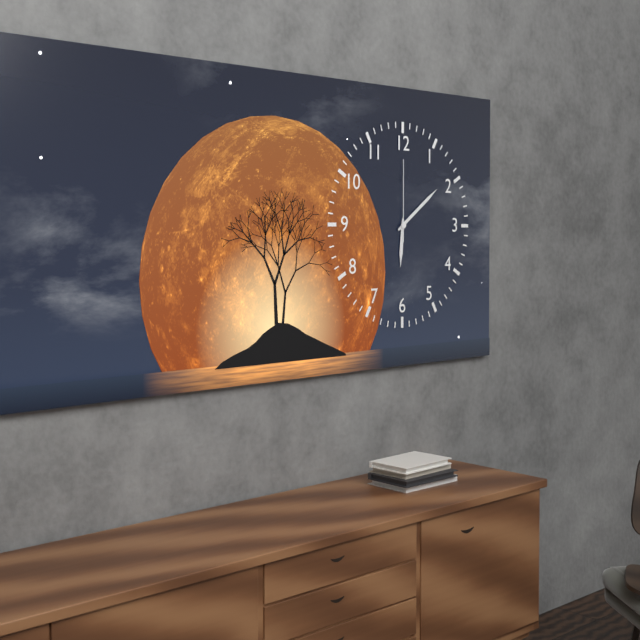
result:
6,09,00
